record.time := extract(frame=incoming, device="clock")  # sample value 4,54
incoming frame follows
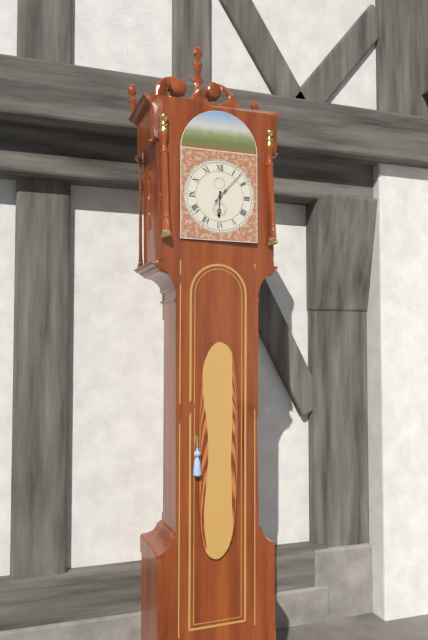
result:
6,07
